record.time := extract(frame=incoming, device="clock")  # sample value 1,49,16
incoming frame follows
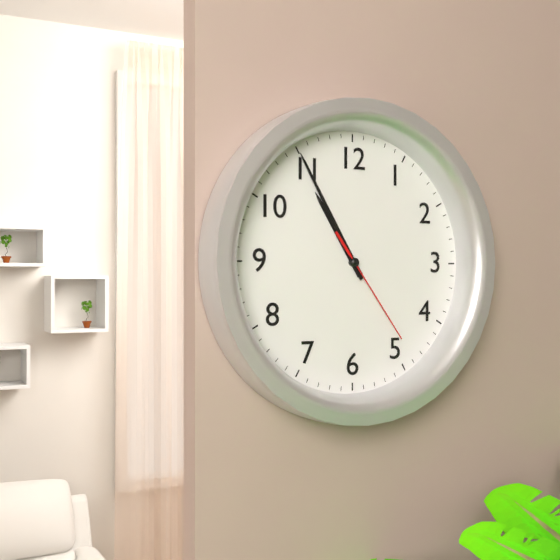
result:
10,55,24
